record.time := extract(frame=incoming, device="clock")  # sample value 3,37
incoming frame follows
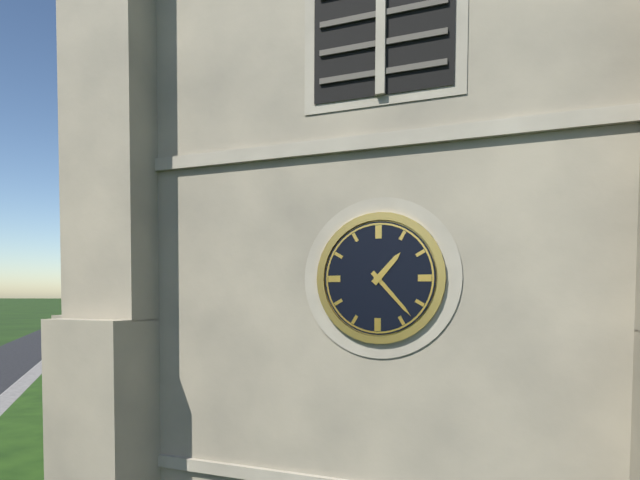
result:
1,23
